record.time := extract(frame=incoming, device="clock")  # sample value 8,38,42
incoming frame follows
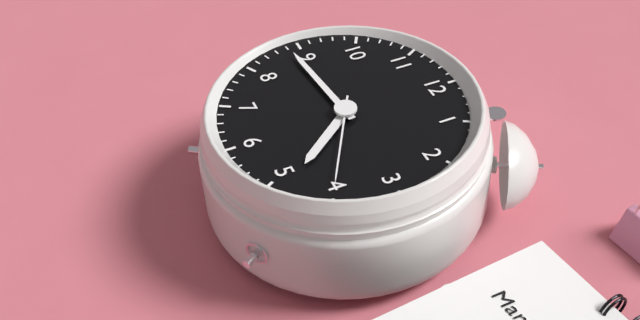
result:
4,44,20
